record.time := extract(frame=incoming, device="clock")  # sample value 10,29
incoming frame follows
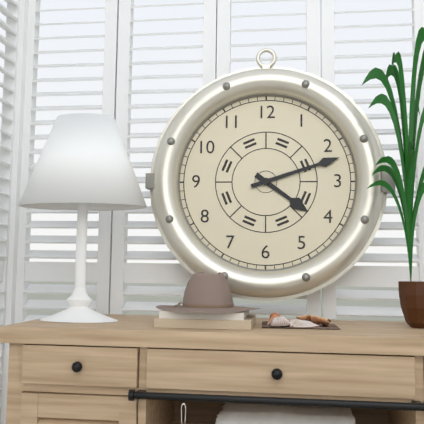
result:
4,12
